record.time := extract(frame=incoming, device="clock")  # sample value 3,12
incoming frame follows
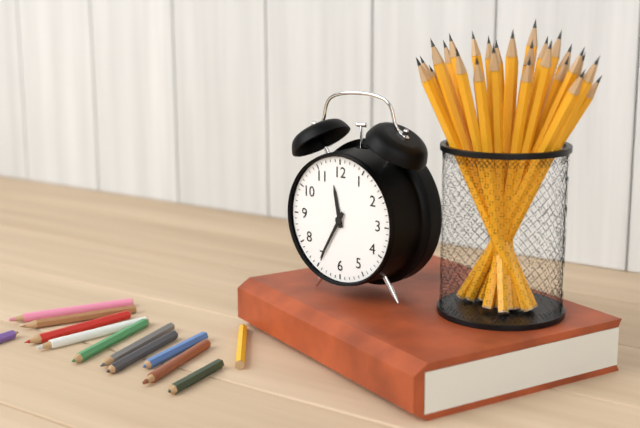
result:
11,35
